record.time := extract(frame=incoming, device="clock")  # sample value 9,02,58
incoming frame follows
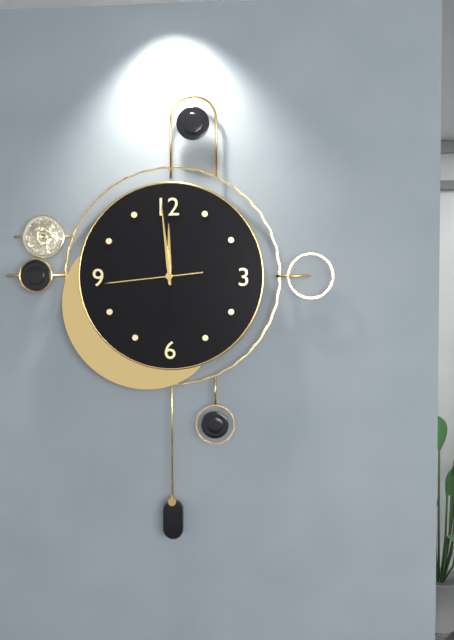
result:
11,59,44
